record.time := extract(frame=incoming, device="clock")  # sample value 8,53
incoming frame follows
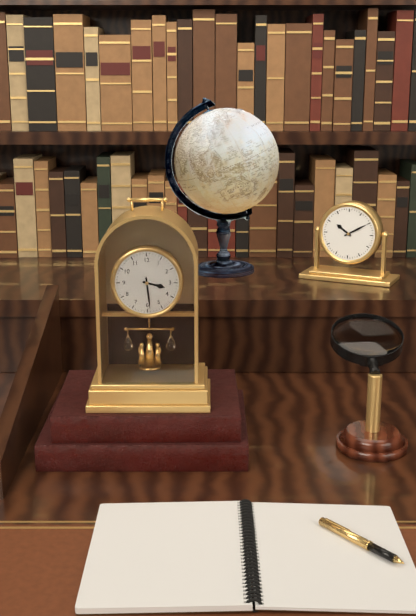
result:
3,29
